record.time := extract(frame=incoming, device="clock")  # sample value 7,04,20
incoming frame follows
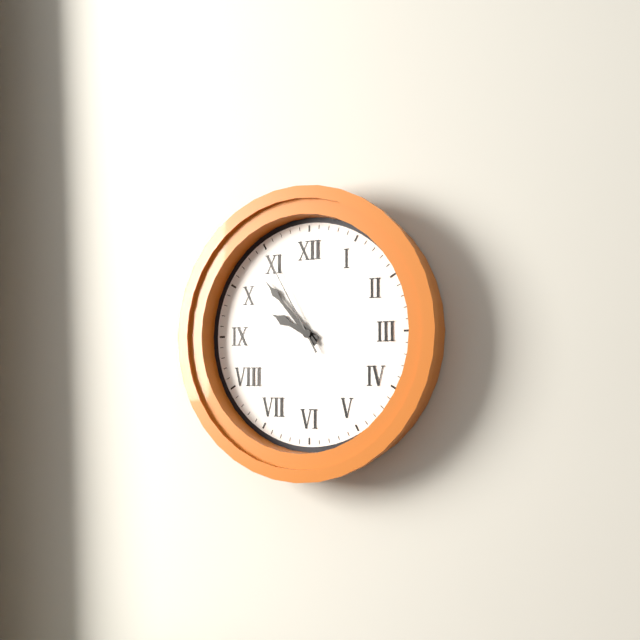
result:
9,53,55
